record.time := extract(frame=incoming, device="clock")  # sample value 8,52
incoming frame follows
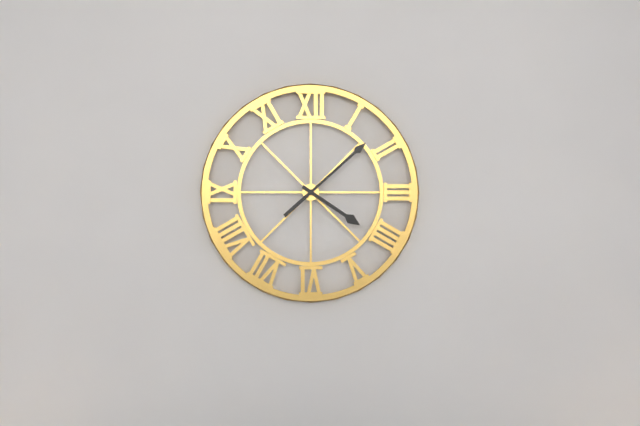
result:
4,08
